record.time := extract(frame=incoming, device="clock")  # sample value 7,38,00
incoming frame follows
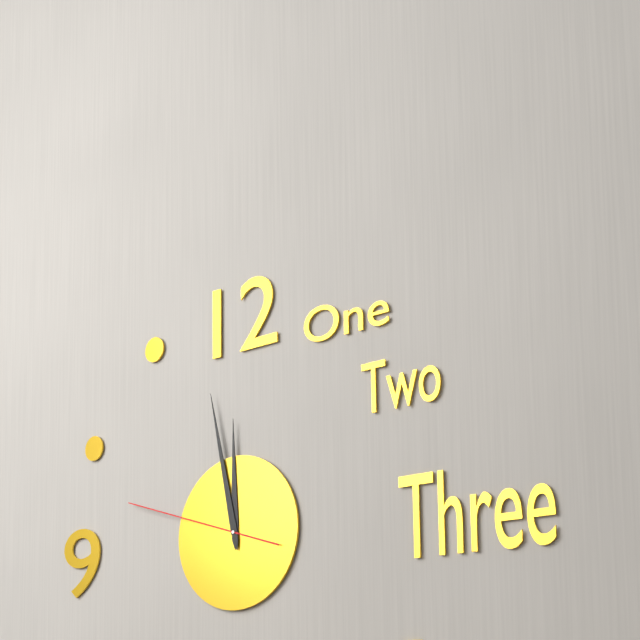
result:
11,58,48
